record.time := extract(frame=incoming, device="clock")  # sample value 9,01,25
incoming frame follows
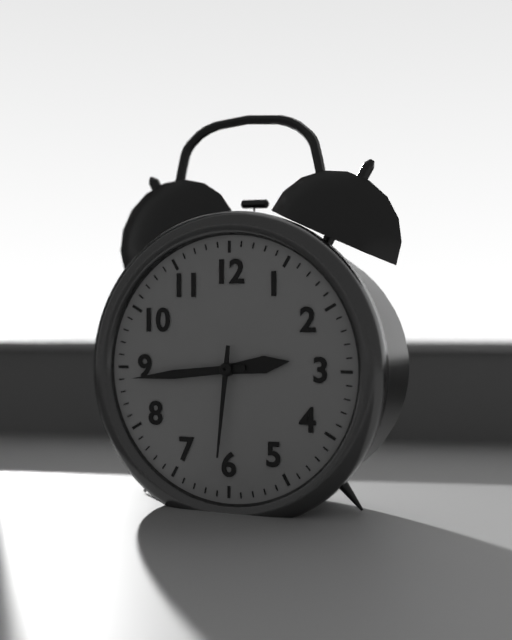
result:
2,44,31
